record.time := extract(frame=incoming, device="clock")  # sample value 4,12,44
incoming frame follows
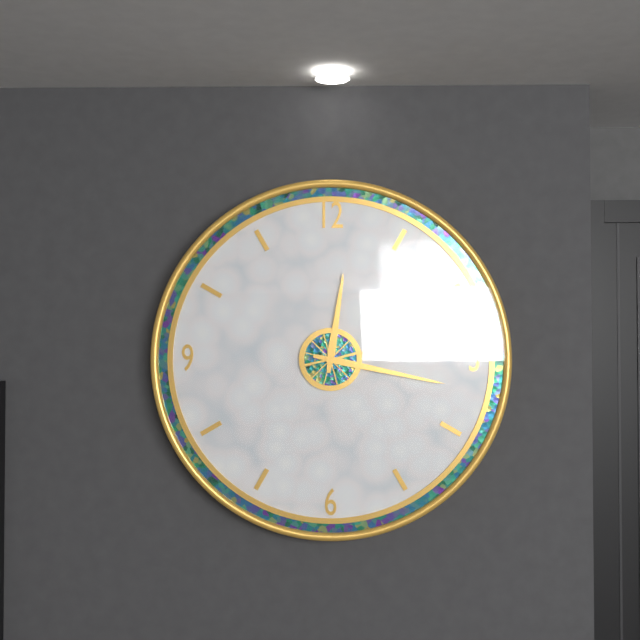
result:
12,17,13
